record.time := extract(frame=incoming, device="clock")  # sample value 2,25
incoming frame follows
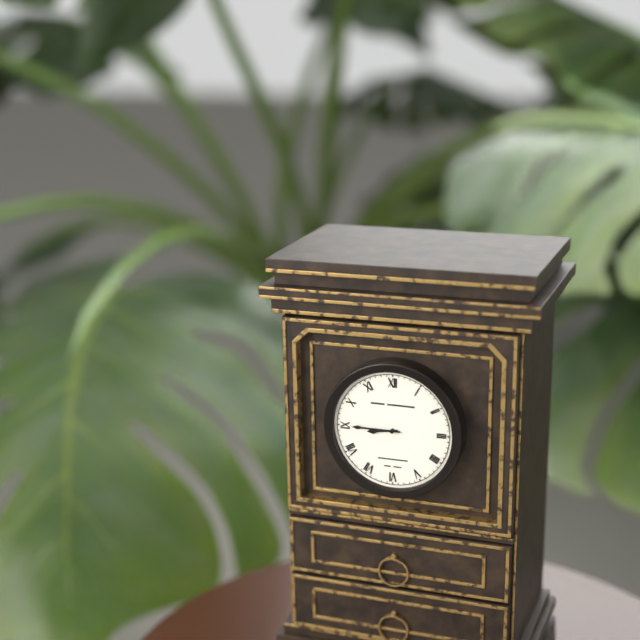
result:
8,45
